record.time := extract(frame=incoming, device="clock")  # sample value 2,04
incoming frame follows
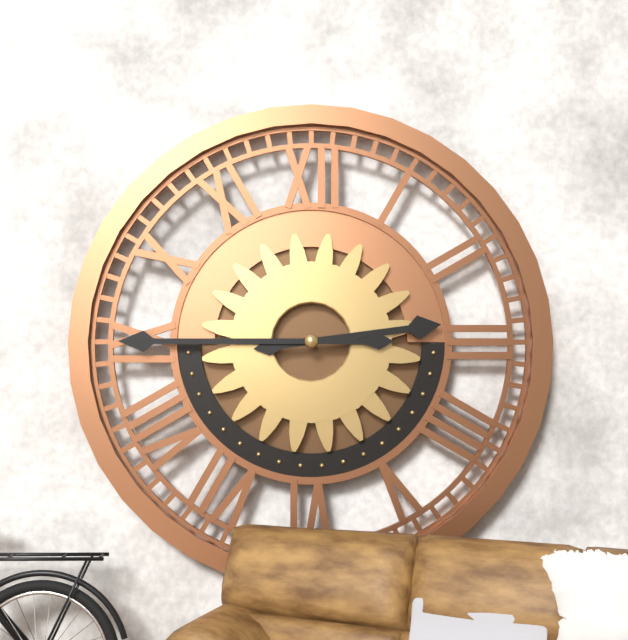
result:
2,45
